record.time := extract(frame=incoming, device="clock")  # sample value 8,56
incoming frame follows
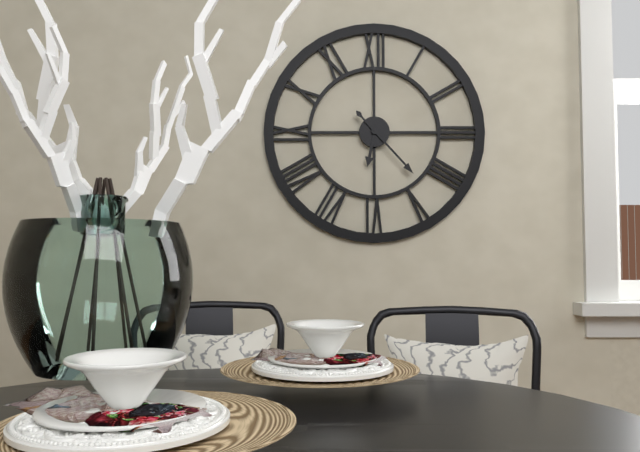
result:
6,23
